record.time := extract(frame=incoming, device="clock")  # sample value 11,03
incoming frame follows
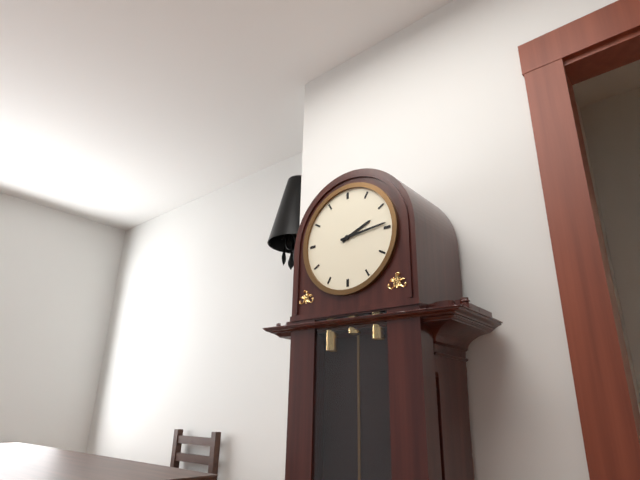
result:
2,14
